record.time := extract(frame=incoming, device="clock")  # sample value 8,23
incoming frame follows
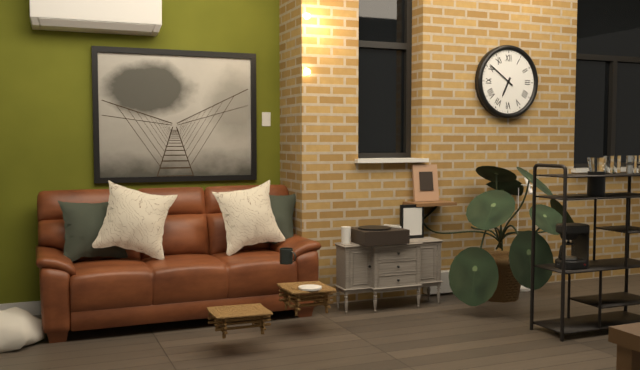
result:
6,51
